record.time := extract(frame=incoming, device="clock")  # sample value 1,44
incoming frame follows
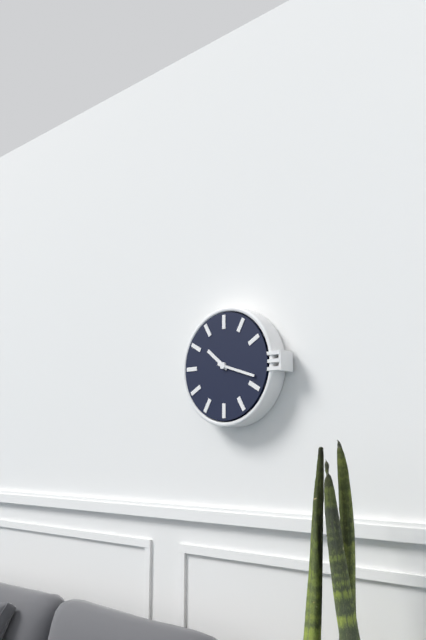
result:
10,18
